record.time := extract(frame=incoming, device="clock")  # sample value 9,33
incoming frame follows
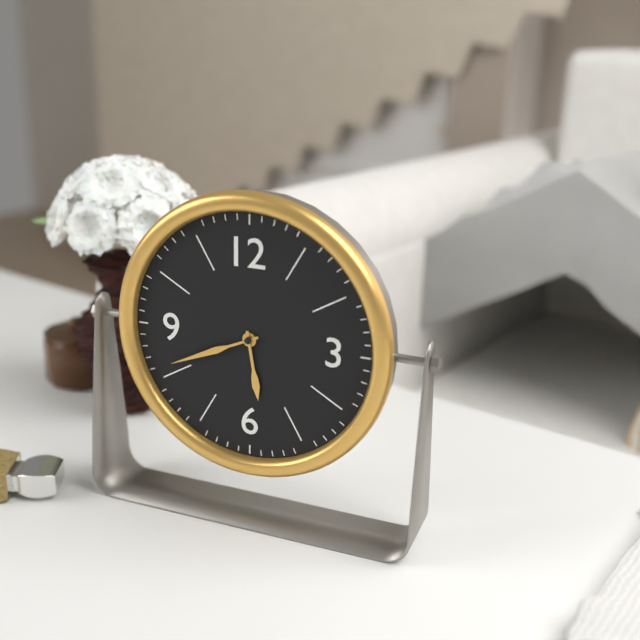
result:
5,41
